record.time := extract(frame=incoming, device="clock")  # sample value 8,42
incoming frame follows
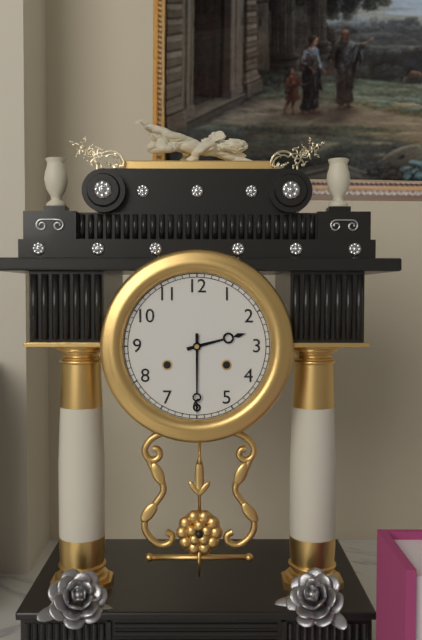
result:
2,30
